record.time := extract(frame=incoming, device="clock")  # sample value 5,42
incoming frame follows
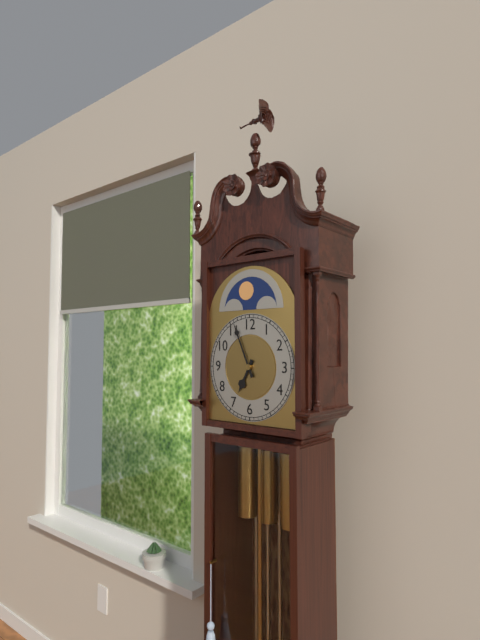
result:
6,56
